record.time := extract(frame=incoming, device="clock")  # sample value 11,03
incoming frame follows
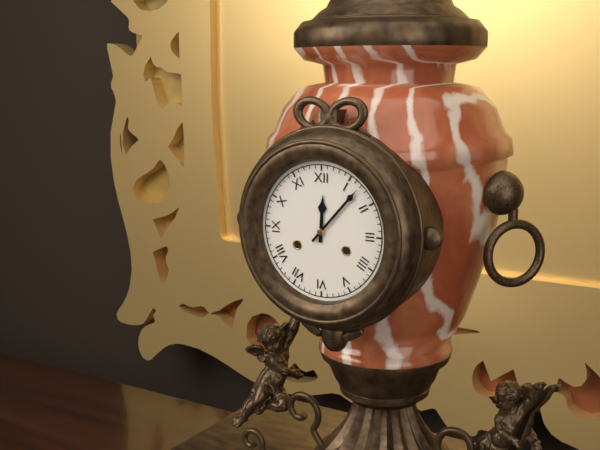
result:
12,07
